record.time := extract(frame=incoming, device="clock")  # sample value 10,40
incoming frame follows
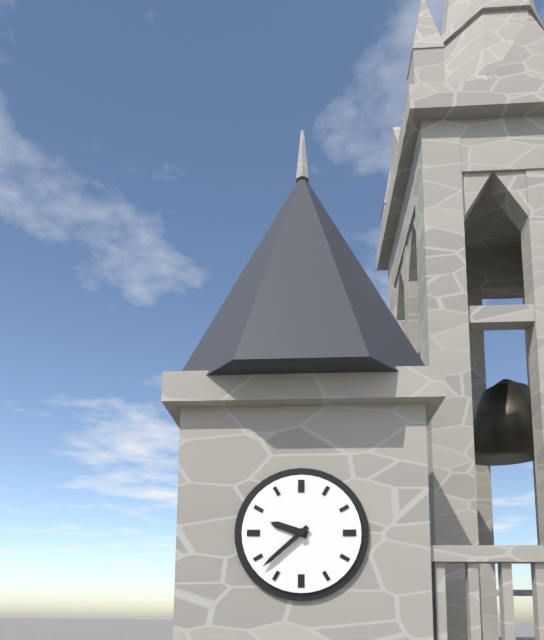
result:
9,38
